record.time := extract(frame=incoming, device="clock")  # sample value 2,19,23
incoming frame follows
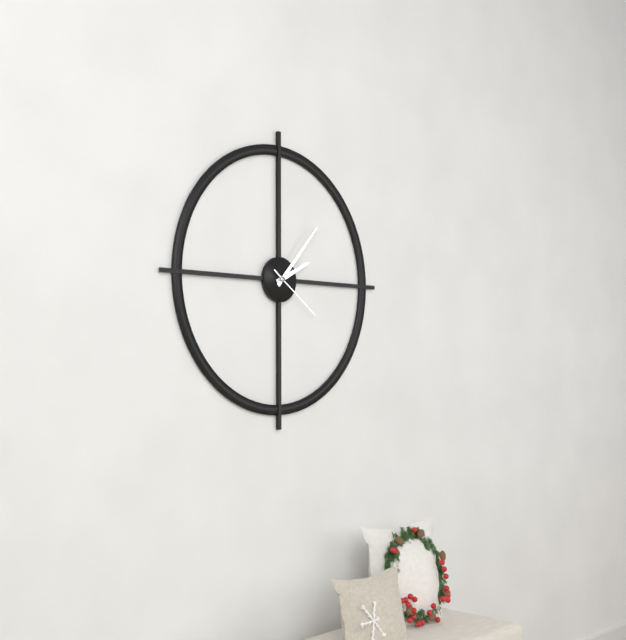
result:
2,07,21
